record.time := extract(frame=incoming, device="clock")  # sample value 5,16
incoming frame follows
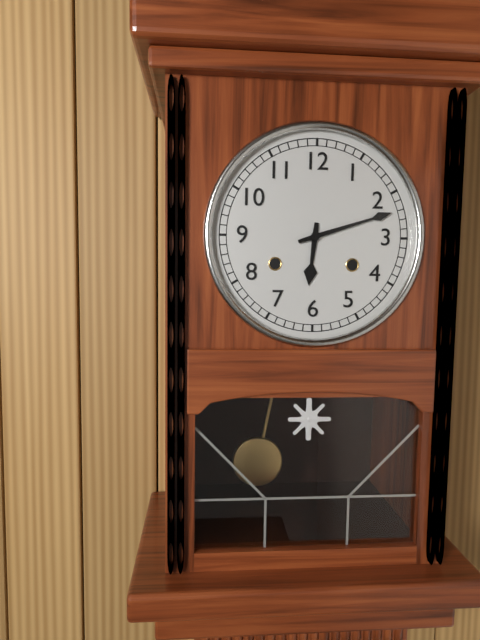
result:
6,12
